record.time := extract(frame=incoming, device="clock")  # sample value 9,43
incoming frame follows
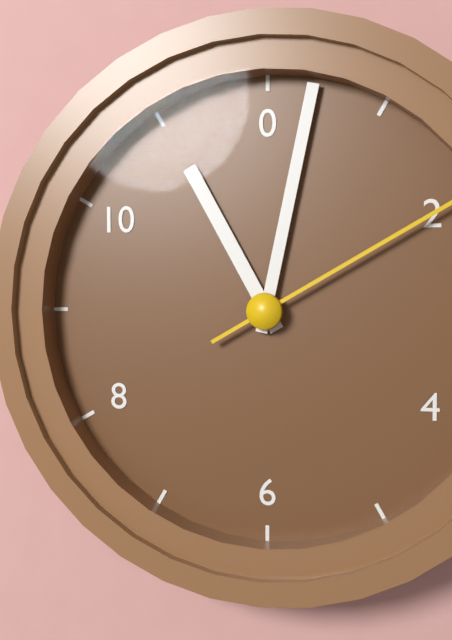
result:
11,02
